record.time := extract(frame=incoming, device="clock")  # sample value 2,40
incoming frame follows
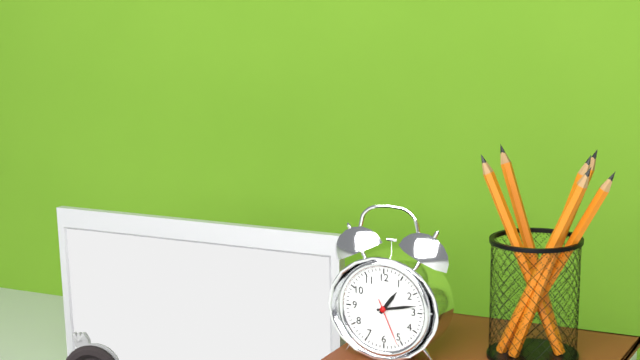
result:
1,13
